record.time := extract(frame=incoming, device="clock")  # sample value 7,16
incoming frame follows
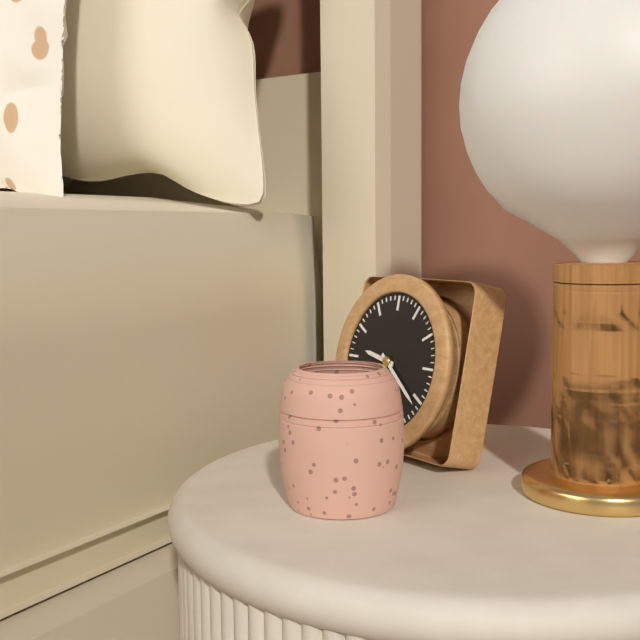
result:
9,21
